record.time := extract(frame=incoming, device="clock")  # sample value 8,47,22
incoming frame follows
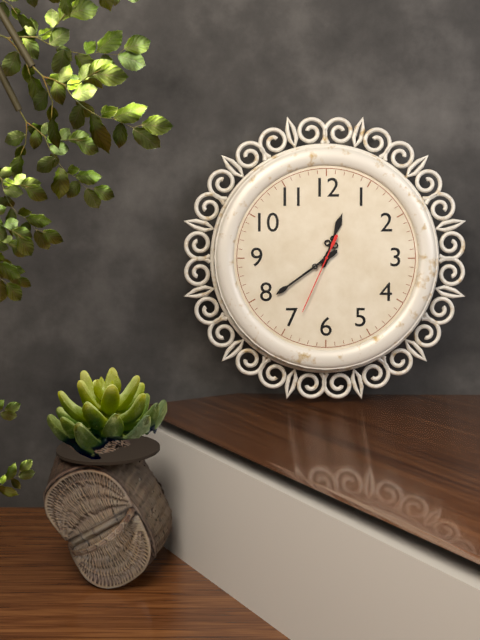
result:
12,39,34
